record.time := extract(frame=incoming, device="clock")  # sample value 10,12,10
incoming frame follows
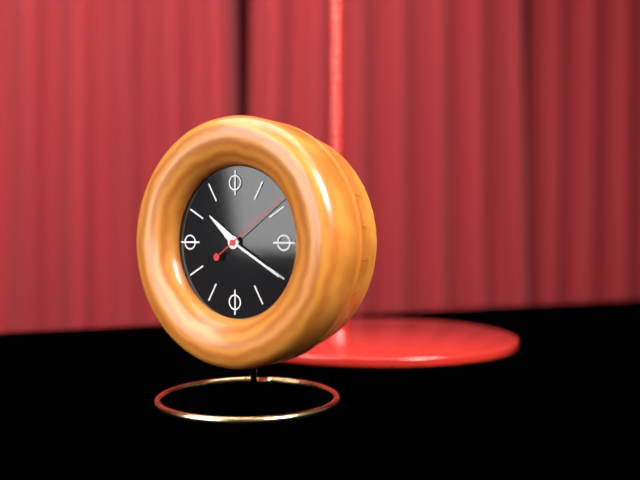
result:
10,20,09
